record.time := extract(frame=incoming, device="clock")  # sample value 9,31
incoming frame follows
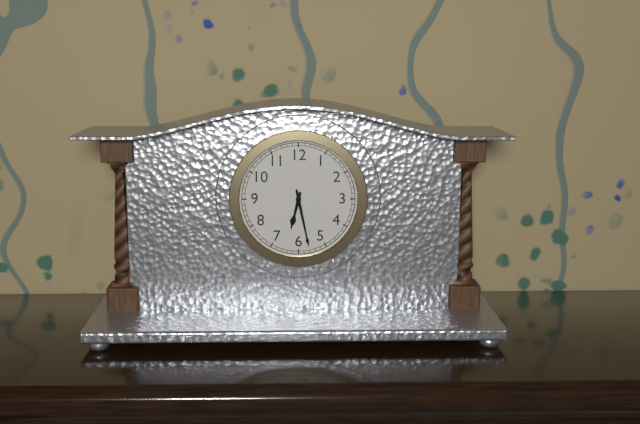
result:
6,28
